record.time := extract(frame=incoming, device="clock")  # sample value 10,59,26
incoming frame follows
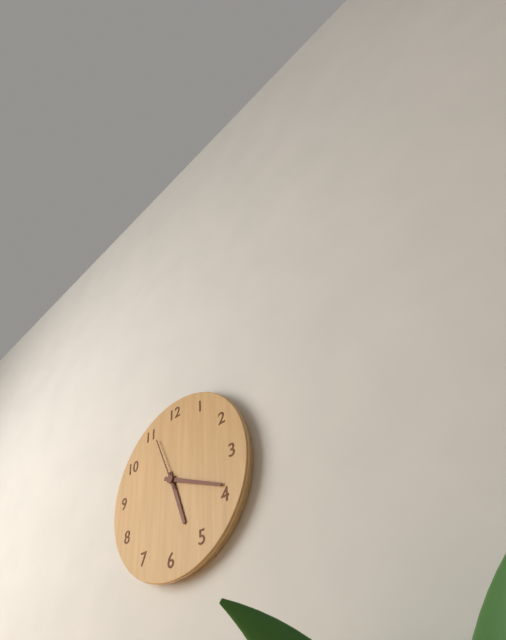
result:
5,19,56
